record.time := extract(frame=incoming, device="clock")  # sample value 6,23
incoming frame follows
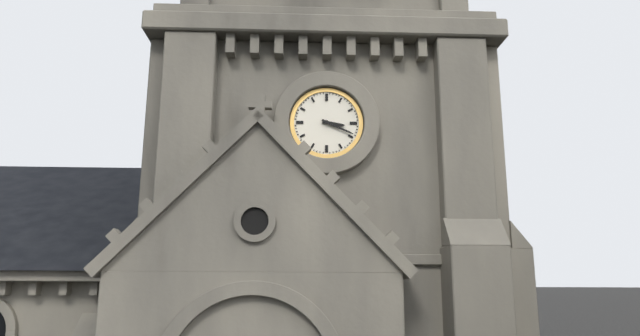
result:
3,19
